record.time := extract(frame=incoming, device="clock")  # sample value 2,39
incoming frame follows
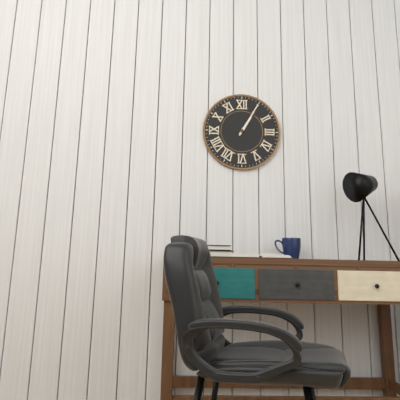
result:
1,05
